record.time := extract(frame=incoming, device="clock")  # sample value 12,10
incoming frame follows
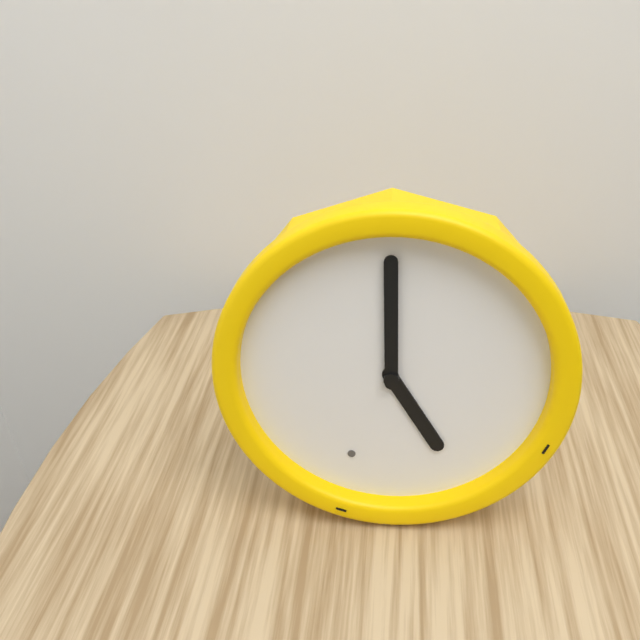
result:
5,00
